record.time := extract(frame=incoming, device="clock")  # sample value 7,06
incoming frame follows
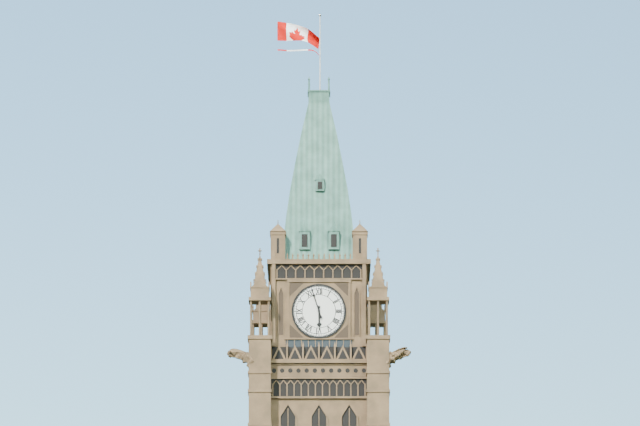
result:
5,57
